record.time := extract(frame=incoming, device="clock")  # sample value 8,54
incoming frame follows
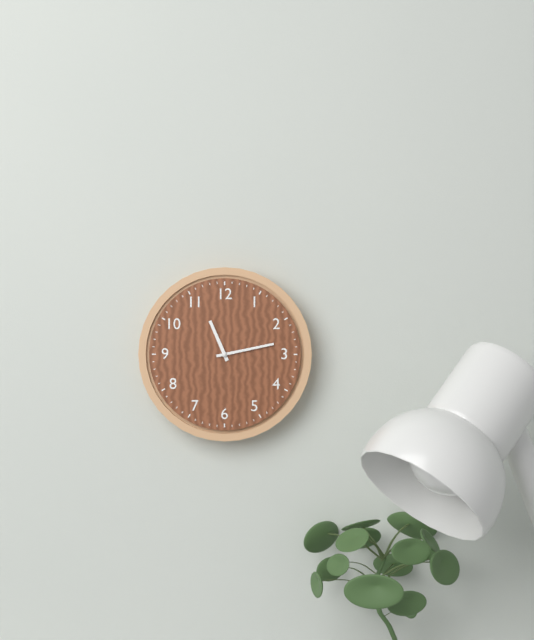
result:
11,13
